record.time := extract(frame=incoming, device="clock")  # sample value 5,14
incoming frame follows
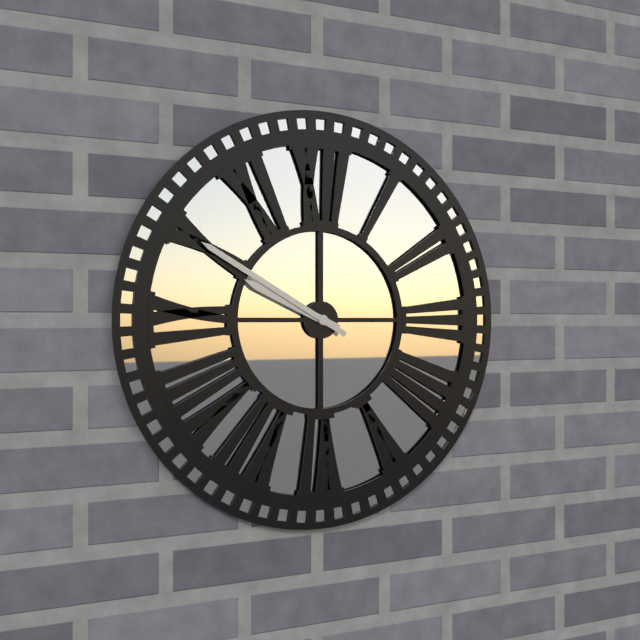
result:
9,50
